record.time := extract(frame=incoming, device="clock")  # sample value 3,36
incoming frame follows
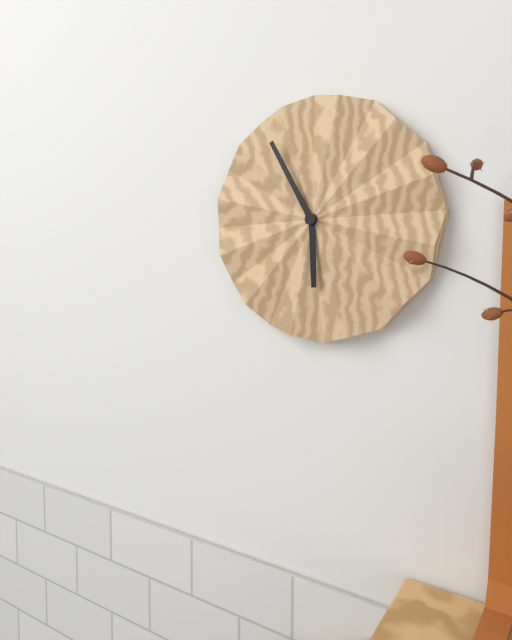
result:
5,55
